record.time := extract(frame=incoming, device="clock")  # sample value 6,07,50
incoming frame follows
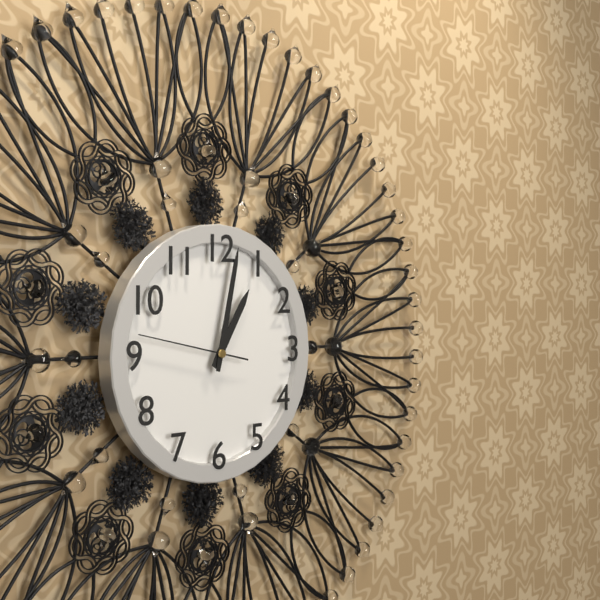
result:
1,02,47
